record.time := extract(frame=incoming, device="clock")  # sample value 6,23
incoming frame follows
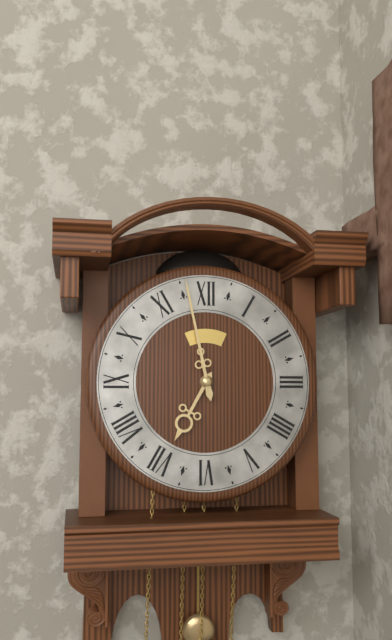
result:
6,58
